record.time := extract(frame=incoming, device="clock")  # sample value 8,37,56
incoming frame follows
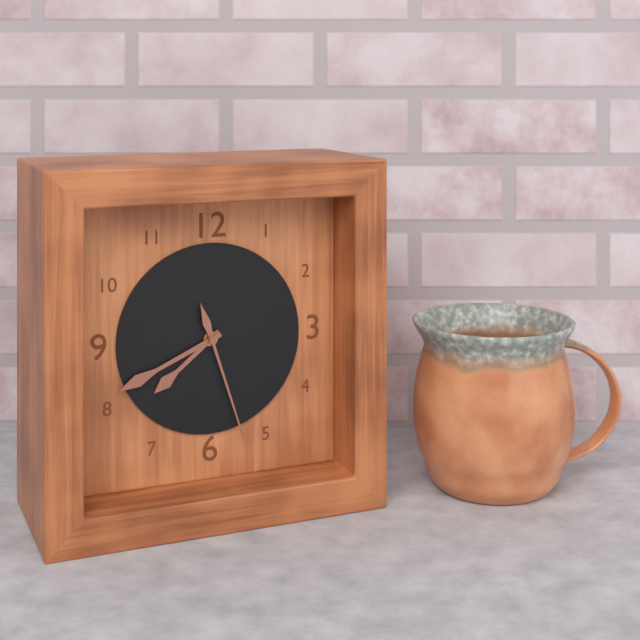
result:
7,41,27
